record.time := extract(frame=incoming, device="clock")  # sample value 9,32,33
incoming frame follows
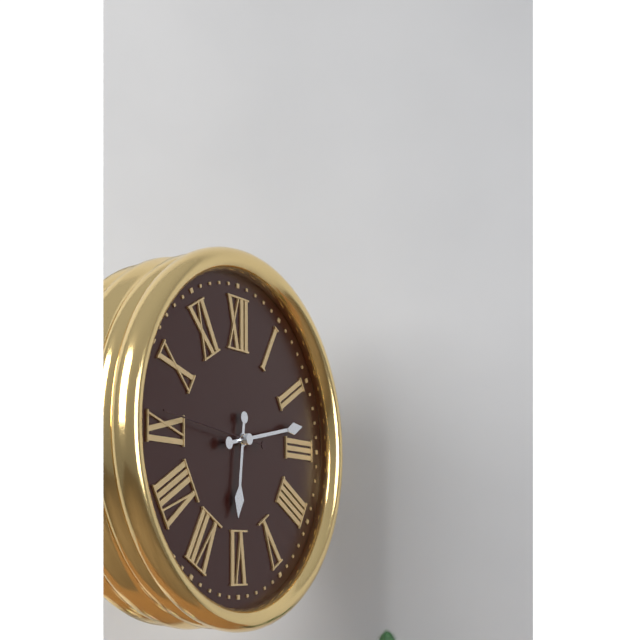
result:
6,13,46
